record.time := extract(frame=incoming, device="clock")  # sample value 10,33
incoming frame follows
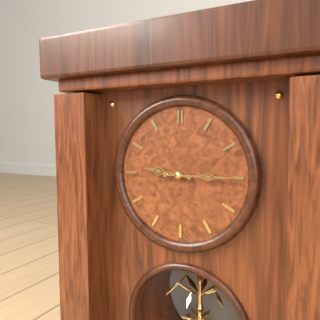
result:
9,15
